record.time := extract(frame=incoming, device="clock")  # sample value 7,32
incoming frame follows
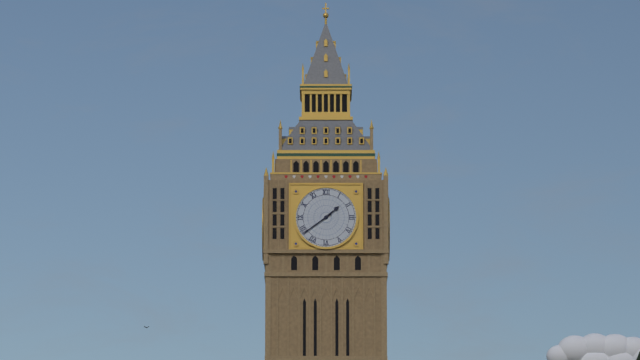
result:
1,39
